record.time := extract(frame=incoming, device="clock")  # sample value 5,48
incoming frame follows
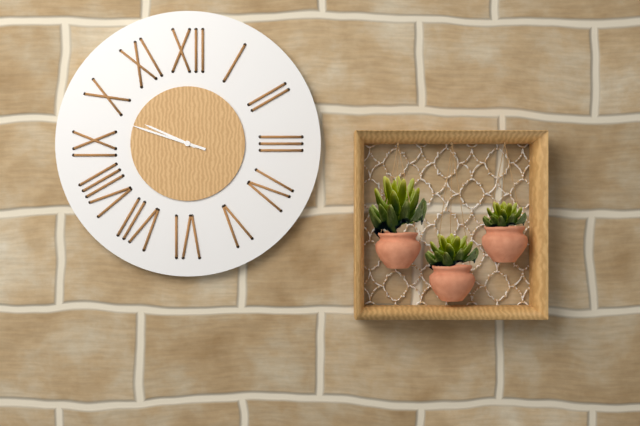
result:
9,48
